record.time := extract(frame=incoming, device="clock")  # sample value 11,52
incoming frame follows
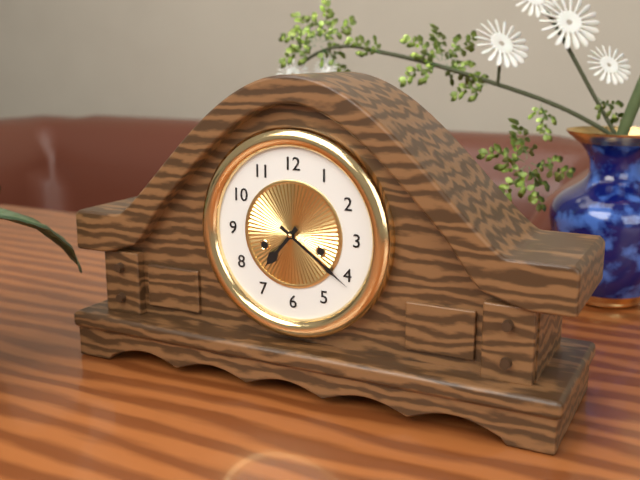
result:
7,21
